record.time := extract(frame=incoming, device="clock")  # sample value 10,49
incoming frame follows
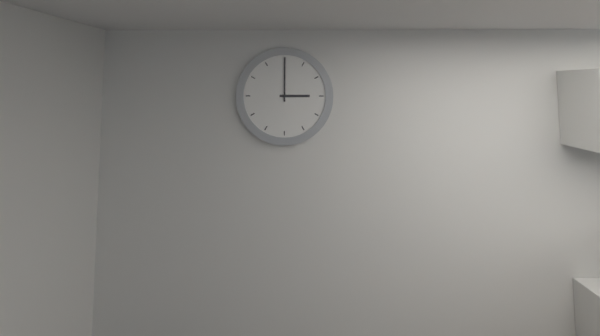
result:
3,00
